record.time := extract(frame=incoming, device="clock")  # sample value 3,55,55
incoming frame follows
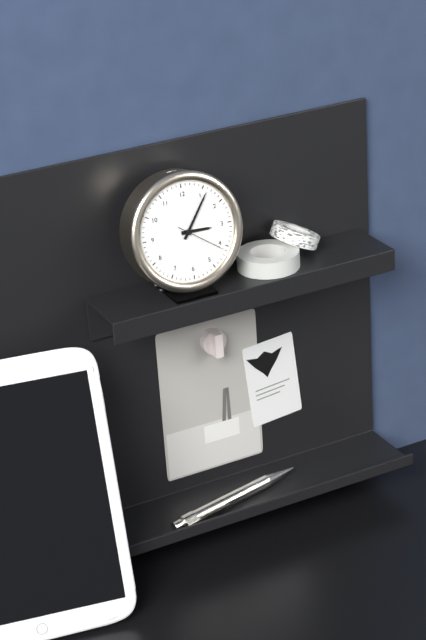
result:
3,06,21
